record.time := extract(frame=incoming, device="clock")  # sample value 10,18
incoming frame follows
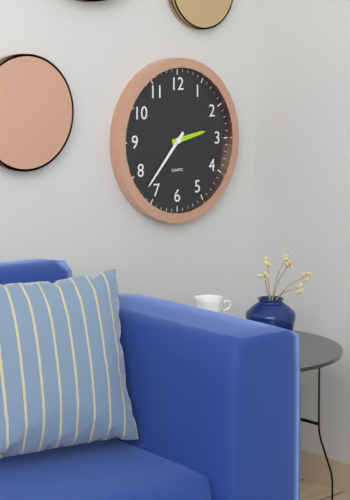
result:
2,37
